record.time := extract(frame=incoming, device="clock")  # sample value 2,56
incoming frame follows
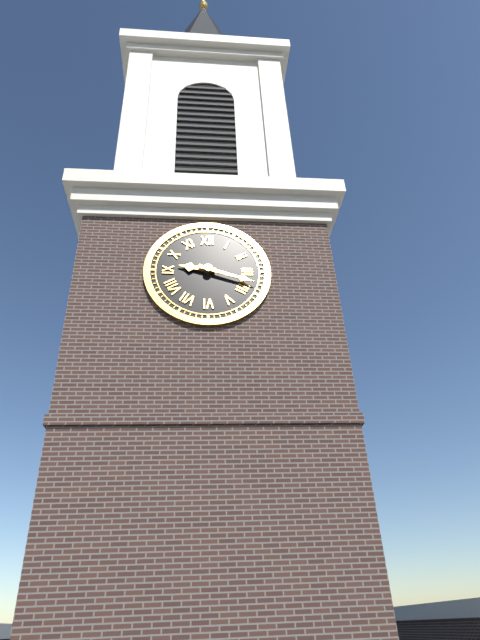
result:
9,18
